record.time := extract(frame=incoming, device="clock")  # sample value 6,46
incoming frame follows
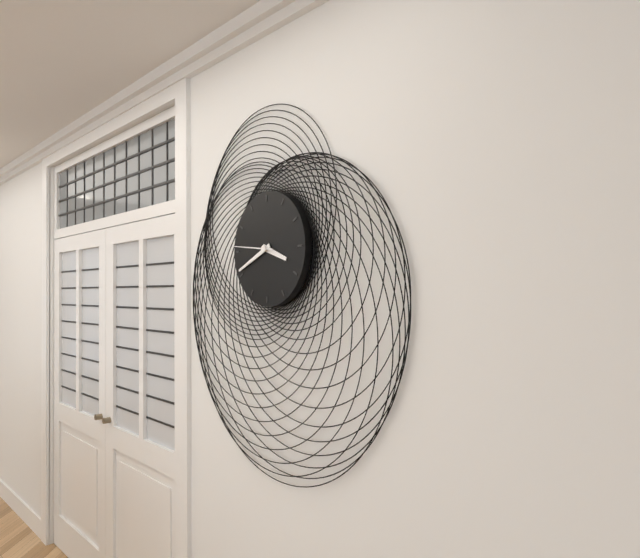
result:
3,41
